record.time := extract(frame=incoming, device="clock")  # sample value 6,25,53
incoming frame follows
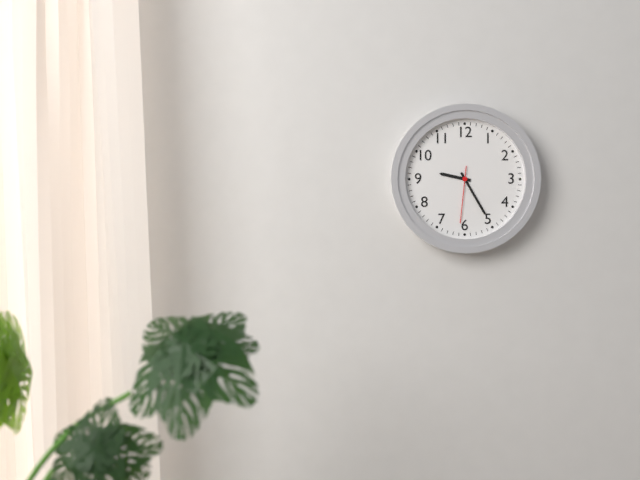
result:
9,25,31
